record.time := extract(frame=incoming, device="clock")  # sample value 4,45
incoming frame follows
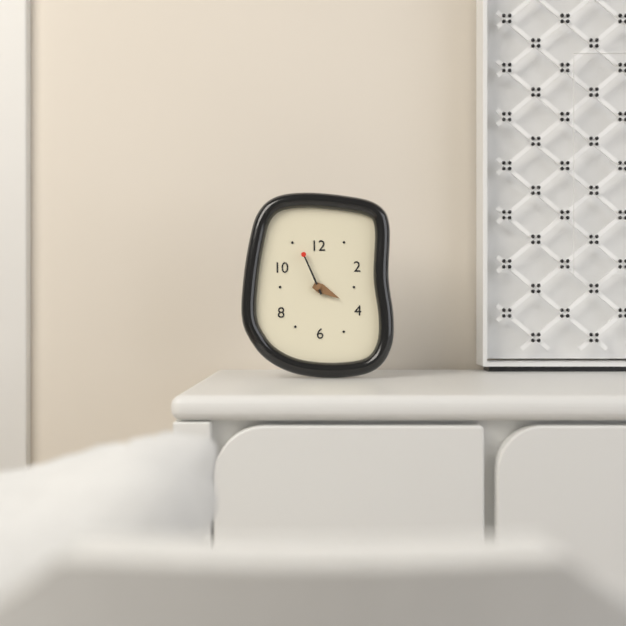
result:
3,56
